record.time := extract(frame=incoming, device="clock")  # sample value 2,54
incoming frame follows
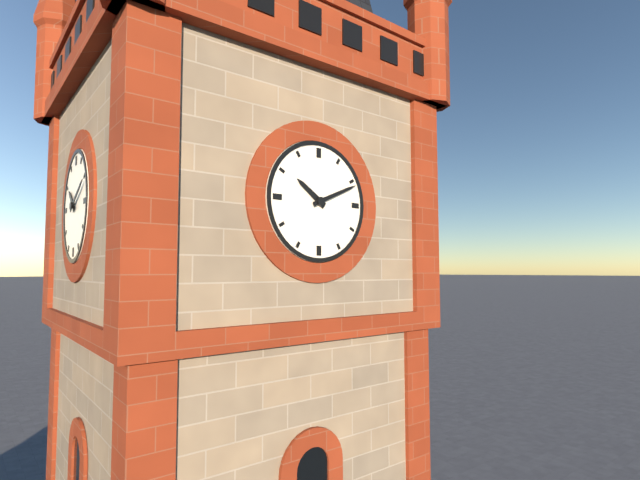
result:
10,11
